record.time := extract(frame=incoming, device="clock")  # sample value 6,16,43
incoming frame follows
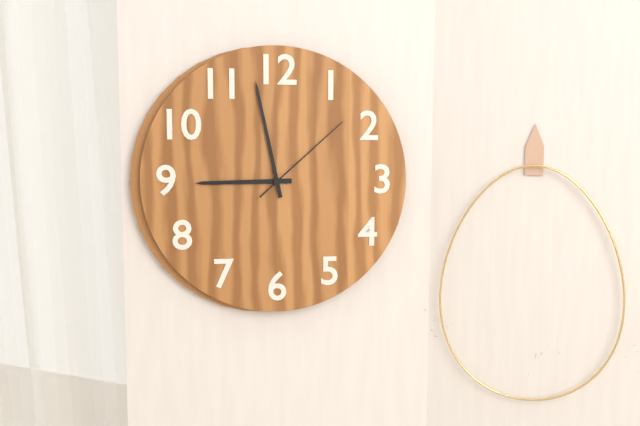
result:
8,58,08
